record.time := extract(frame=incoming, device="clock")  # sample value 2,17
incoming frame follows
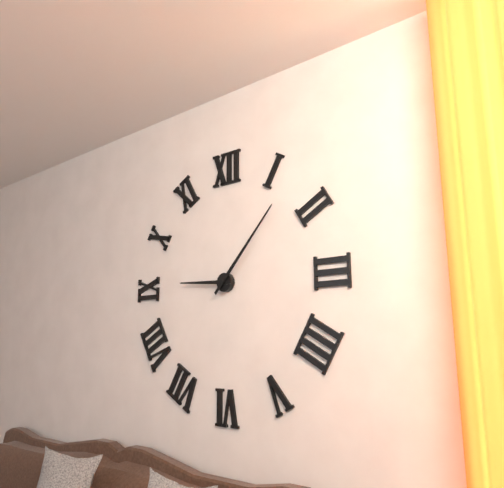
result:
9,07
